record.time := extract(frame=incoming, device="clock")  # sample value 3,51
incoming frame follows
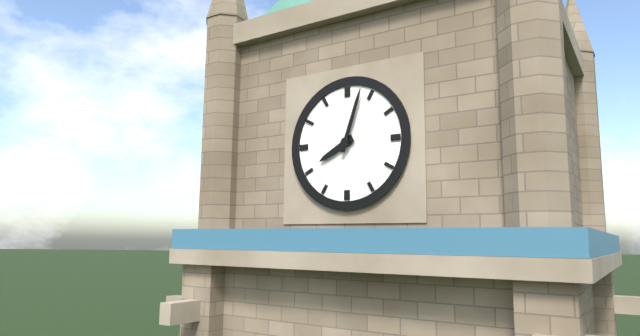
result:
8,03
